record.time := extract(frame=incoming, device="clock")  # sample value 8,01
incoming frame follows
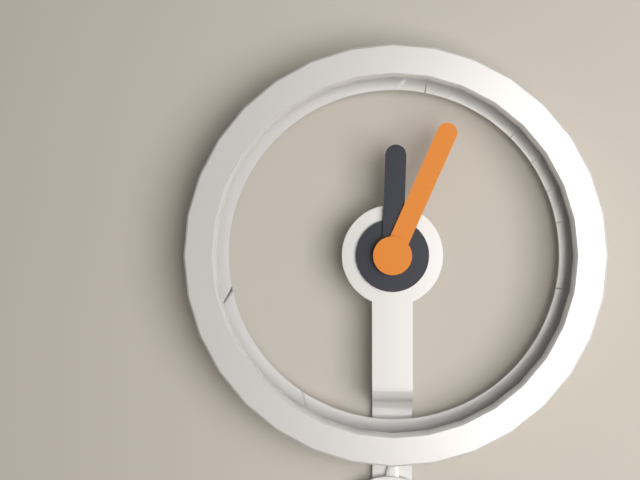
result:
12,04
